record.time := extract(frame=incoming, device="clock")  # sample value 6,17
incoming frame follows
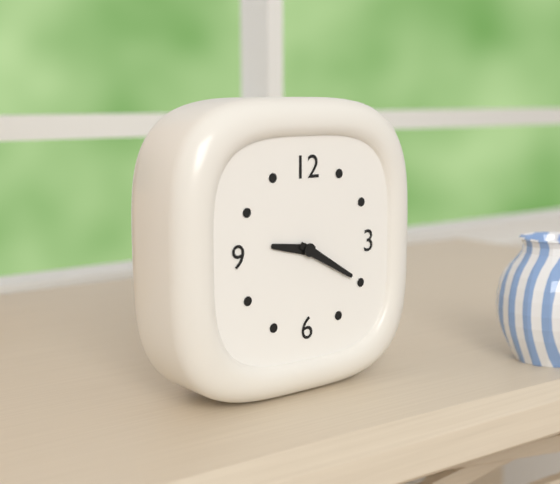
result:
9,20
